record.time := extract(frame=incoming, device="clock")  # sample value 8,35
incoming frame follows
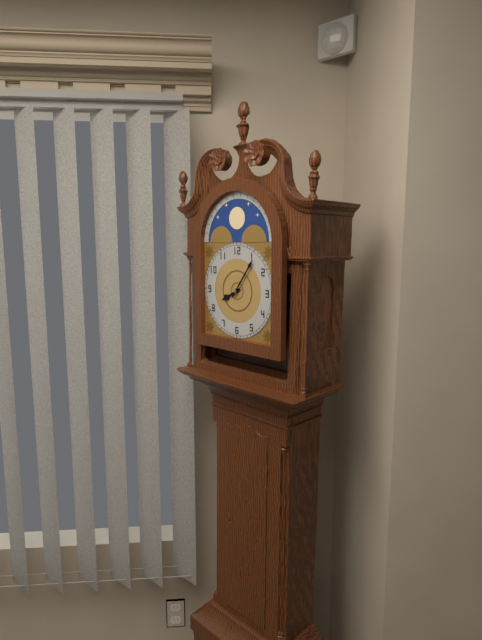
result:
8,06
